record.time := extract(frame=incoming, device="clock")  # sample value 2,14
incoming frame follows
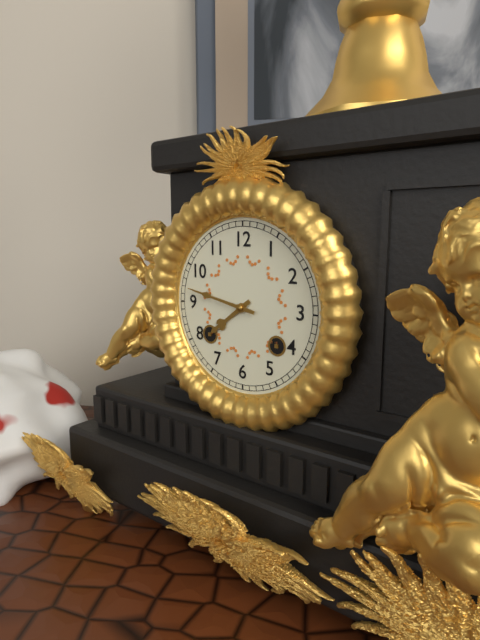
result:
7,47
